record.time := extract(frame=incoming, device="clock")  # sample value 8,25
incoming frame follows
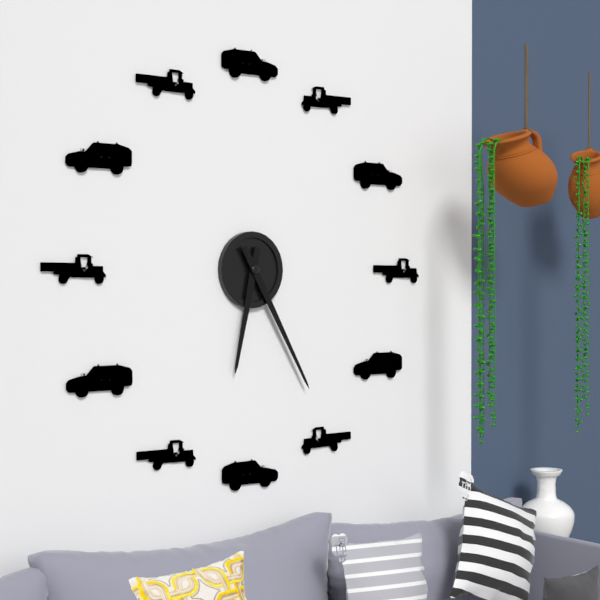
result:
6,25
